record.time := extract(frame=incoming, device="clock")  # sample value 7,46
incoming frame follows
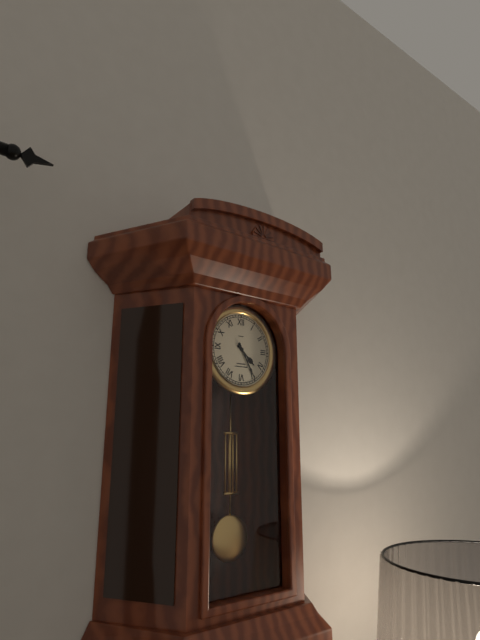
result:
4,25
